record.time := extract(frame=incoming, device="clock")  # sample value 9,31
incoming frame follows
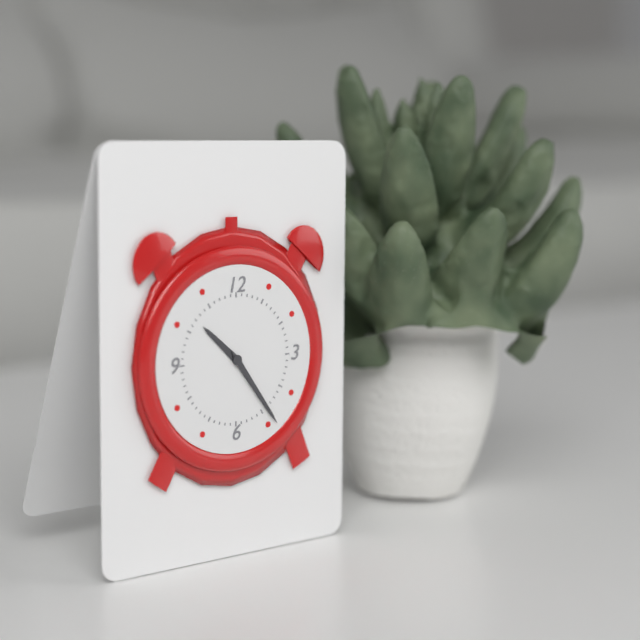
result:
10,24
